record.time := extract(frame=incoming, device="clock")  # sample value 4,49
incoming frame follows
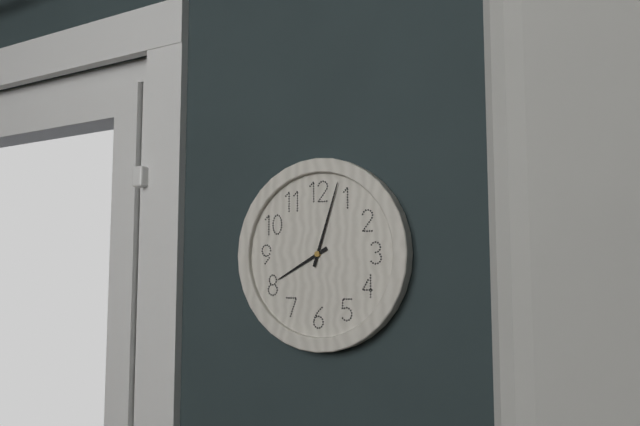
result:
8,03
